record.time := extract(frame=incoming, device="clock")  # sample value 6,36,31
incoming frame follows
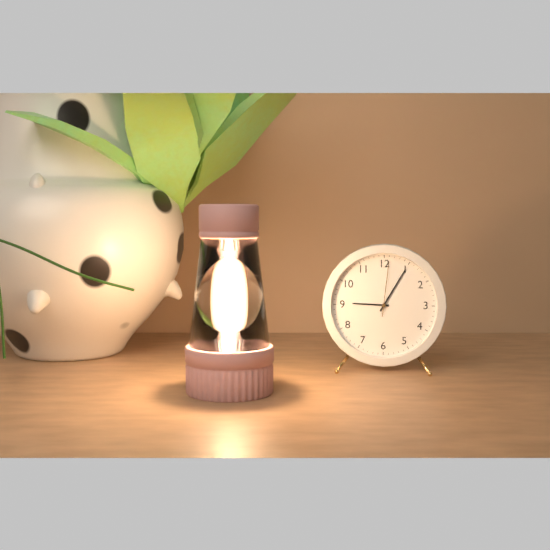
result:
9,05,01
